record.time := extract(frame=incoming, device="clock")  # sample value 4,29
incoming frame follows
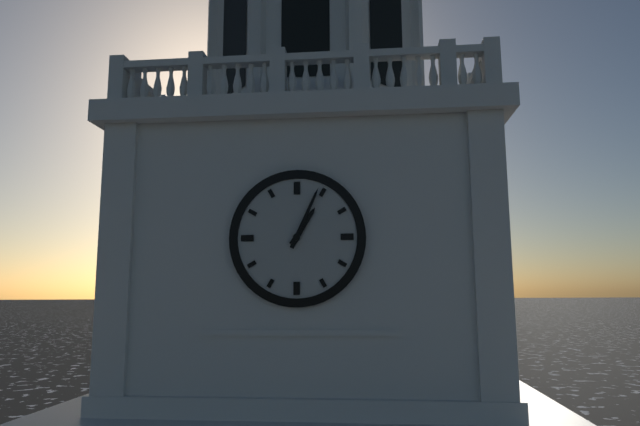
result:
1,04
